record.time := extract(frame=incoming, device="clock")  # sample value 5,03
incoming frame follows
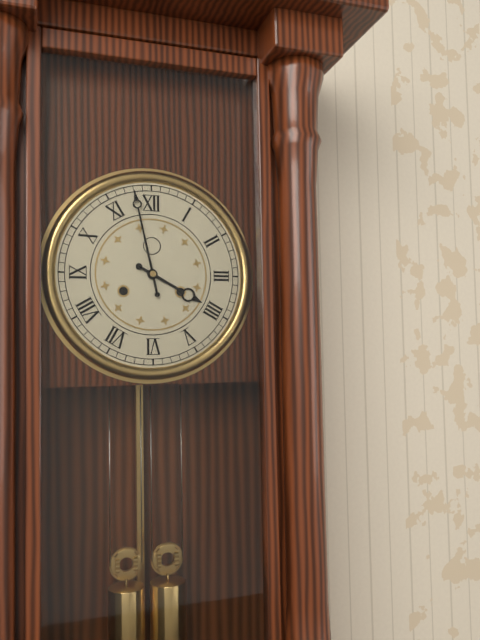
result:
3,58
